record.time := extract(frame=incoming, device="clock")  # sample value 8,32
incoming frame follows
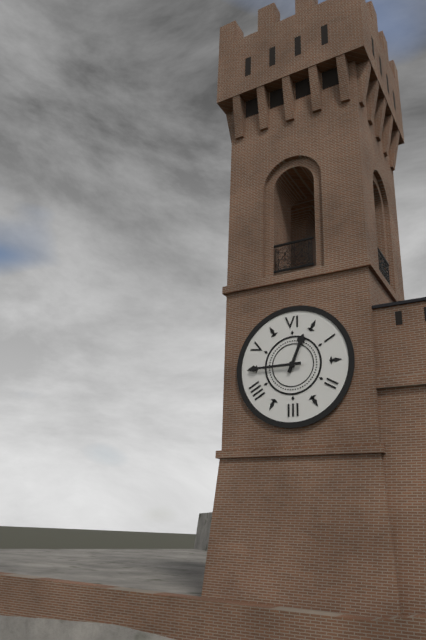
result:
12,45
